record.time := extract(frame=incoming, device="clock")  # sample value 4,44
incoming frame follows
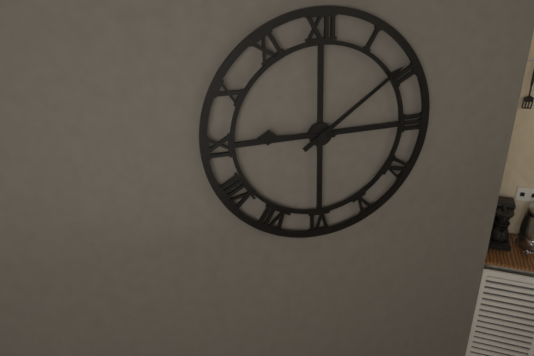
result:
9,09
